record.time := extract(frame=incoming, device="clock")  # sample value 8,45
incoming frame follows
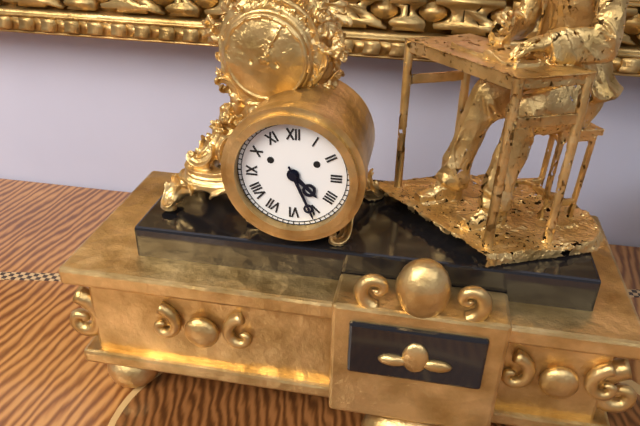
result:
4,26
